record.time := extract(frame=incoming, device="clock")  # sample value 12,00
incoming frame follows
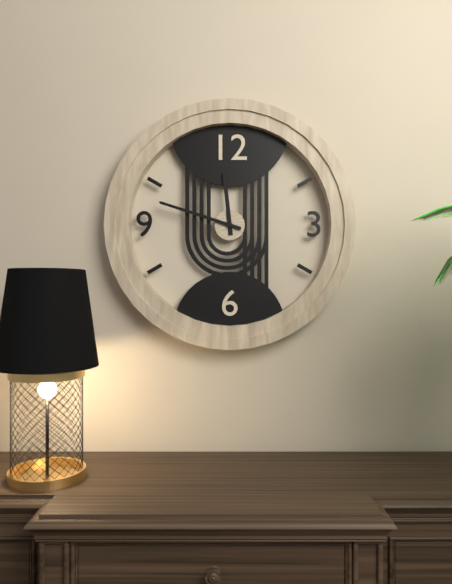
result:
11,48
